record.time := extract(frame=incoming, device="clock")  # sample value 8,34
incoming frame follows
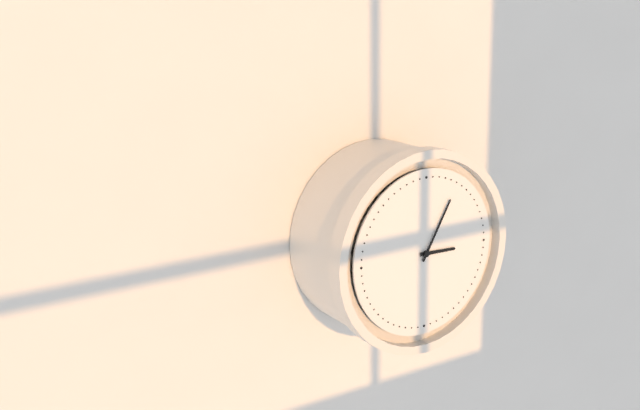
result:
3,05
